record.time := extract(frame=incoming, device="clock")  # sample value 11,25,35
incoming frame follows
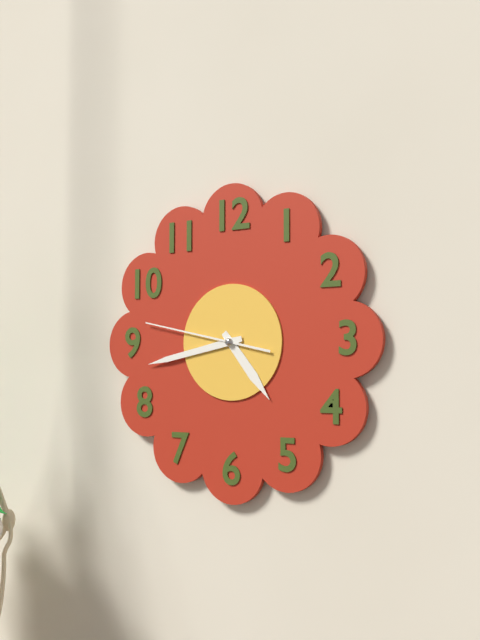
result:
4,43,47
